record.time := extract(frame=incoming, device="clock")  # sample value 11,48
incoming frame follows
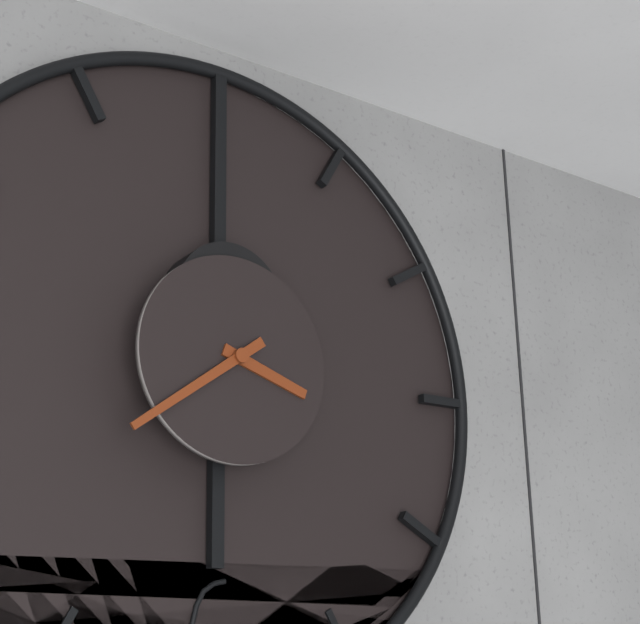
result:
3,39
